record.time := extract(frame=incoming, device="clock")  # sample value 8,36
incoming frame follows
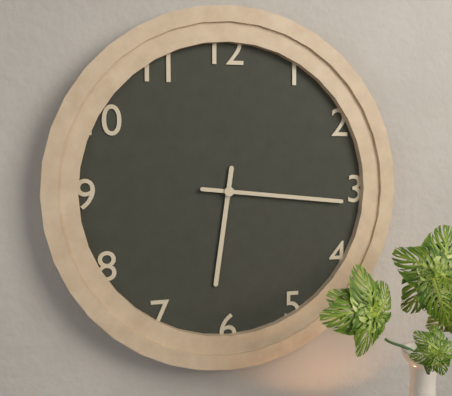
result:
6,16
